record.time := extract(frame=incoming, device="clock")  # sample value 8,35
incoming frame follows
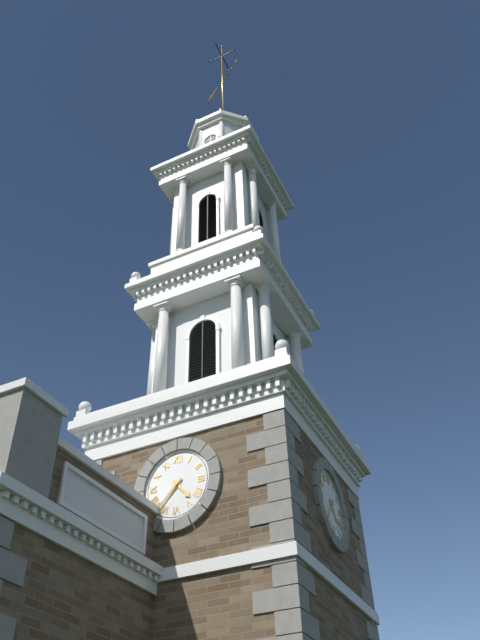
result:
4,37
